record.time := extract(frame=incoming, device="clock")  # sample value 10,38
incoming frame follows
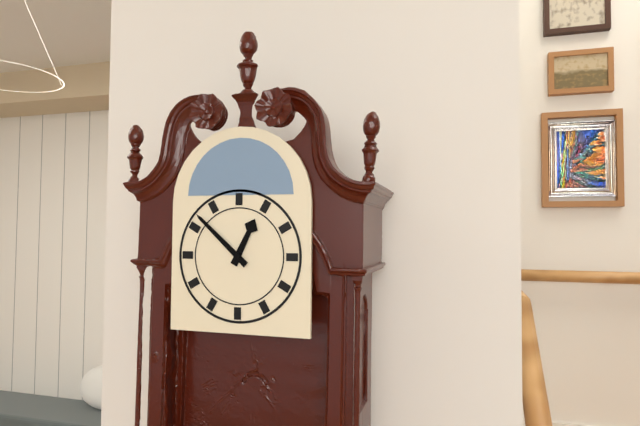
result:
12,52
